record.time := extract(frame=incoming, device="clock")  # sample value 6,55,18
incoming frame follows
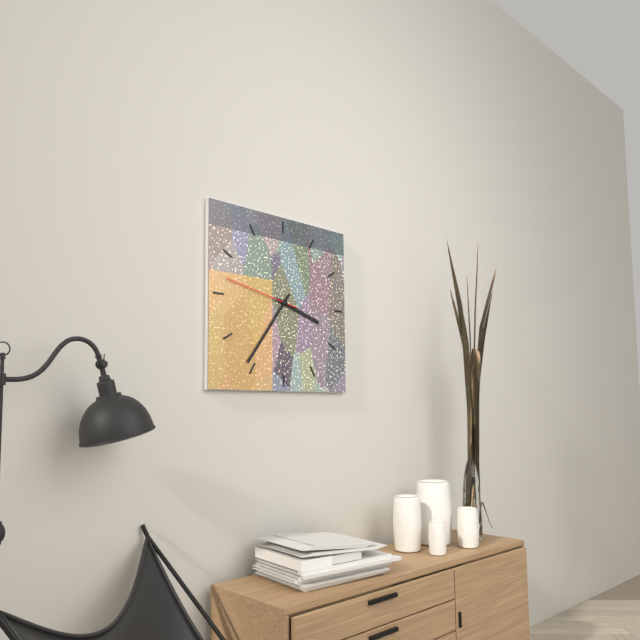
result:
3,36,47
